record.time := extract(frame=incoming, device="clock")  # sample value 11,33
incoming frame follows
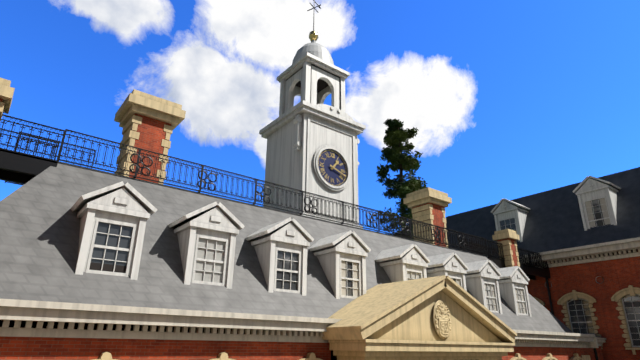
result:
1,18
